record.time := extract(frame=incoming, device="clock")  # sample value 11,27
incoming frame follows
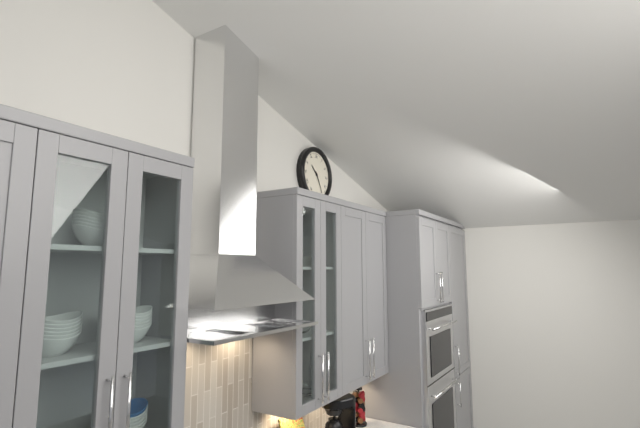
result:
10,25
